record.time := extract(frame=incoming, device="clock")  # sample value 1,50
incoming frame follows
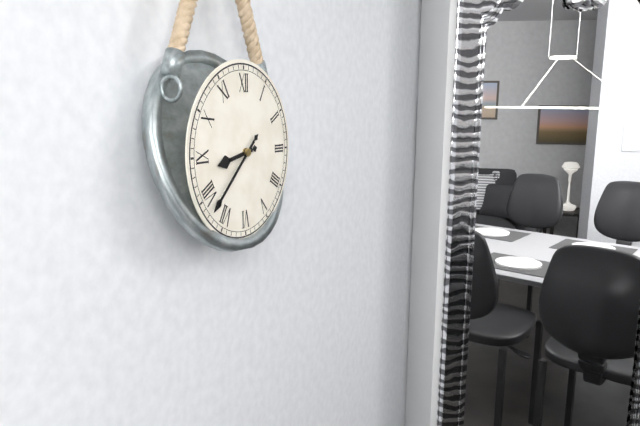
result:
8,38
